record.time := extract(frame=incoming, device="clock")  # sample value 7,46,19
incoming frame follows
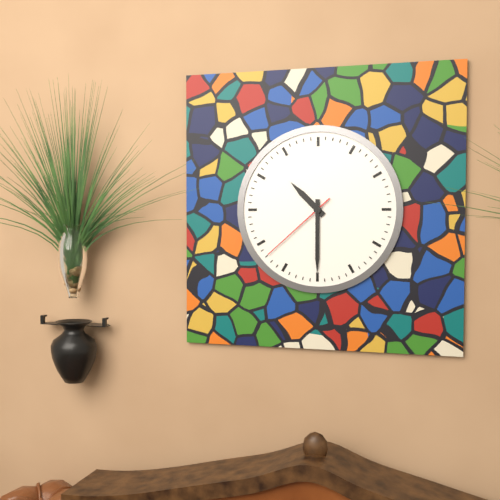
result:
10,30,38
